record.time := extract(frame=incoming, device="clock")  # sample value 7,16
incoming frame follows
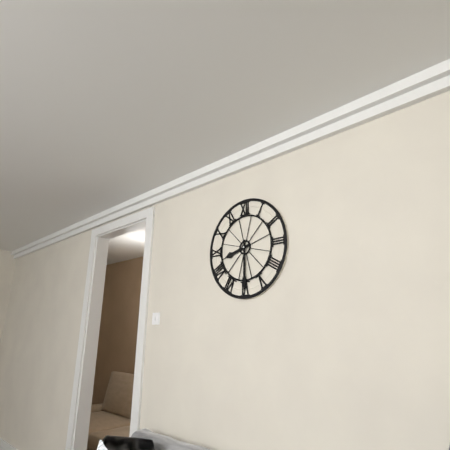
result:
8,30
